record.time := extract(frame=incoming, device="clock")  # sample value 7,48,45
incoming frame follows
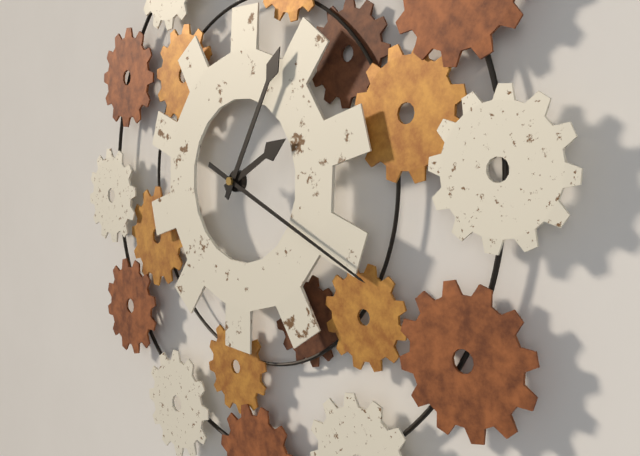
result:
2,05,19
